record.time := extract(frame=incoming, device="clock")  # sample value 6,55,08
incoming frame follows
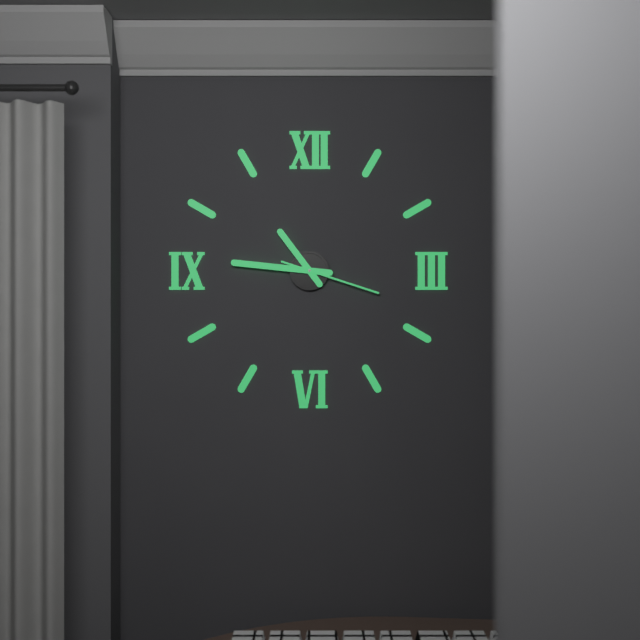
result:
10,46,18
